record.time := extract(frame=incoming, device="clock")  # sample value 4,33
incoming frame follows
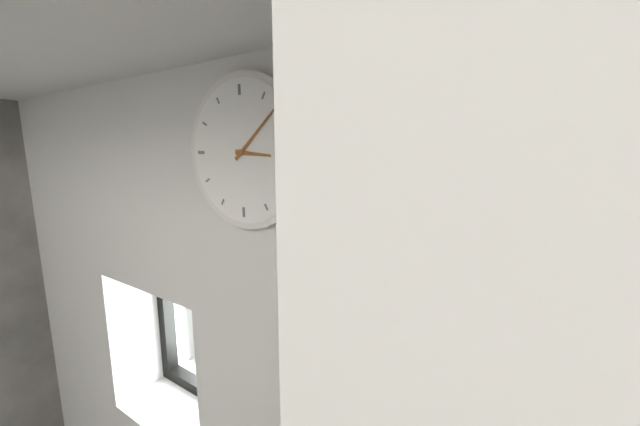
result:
3,08
